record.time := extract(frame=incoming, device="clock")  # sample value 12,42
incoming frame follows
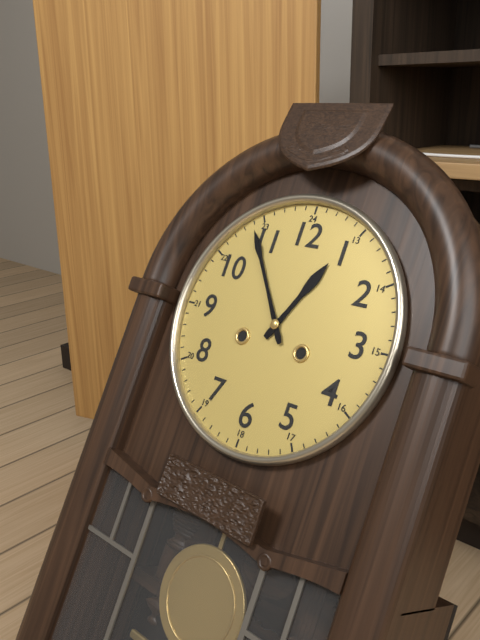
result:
12,54
